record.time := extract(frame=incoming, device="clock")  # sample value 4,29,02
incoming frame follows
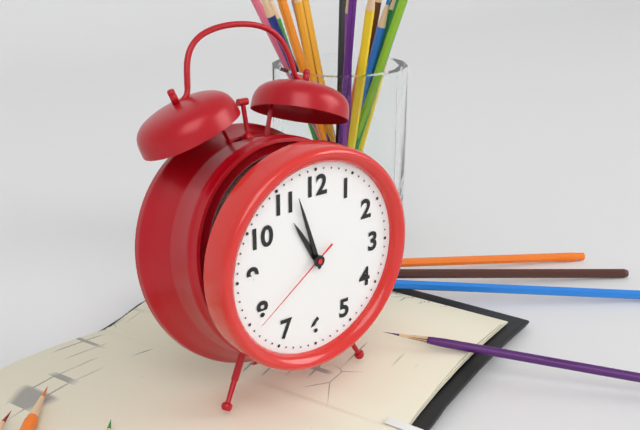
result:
10,57,39
